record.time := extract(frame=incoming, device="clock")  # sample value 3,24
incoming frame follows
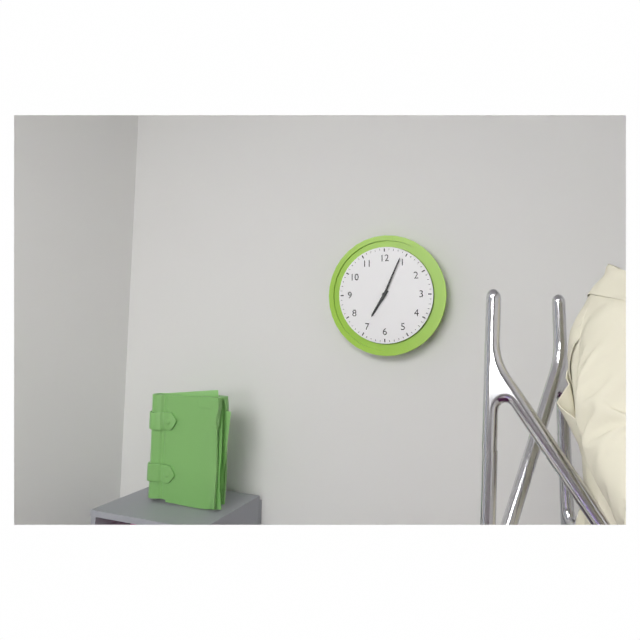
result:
7,04
